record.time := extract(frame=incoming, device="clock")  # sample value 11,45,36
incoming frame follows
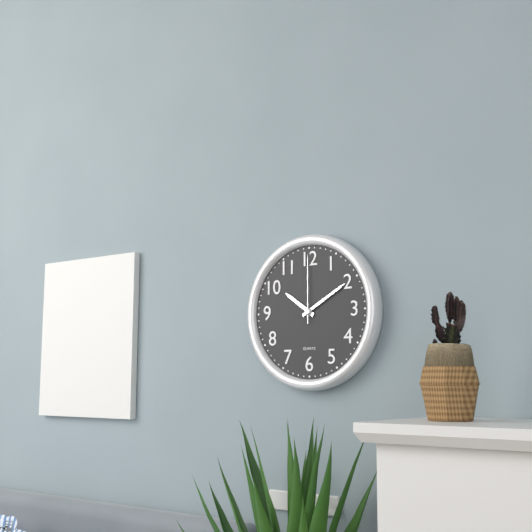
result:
10,10,00
